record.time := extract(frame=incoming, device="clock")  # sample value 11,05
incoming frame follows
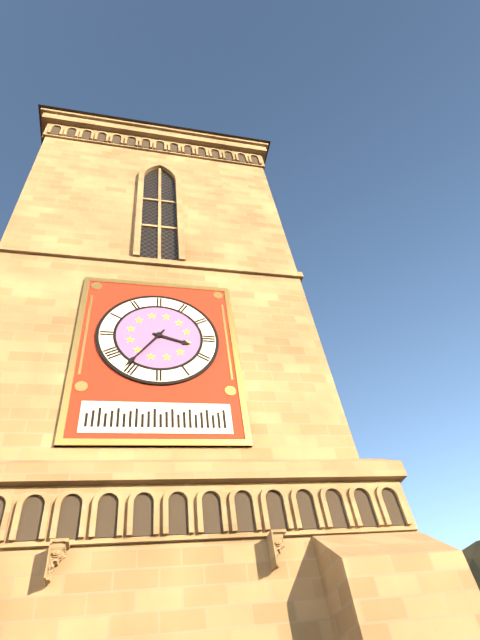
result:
3,36
